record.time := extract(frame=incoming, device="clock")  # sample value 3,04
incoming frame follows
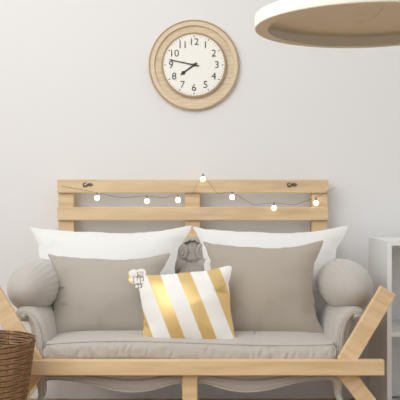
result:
7,47
